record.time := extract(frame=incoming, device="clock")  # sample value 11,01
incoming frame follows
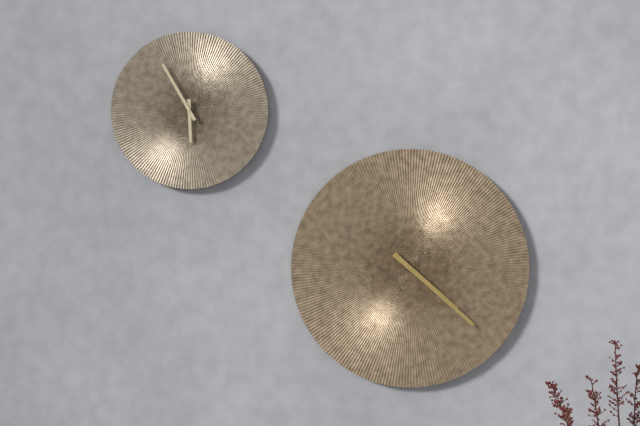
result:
4,22
